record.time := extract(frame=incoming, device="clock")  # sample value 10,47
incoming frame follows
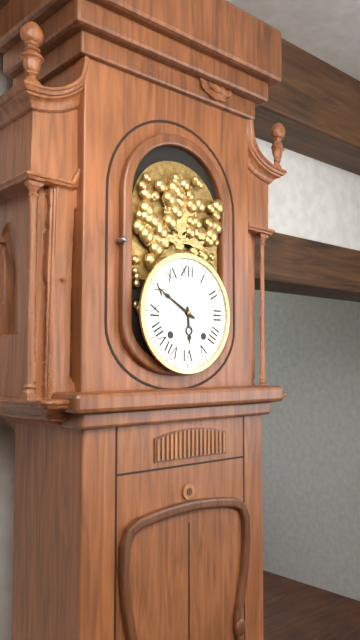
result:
5,50
